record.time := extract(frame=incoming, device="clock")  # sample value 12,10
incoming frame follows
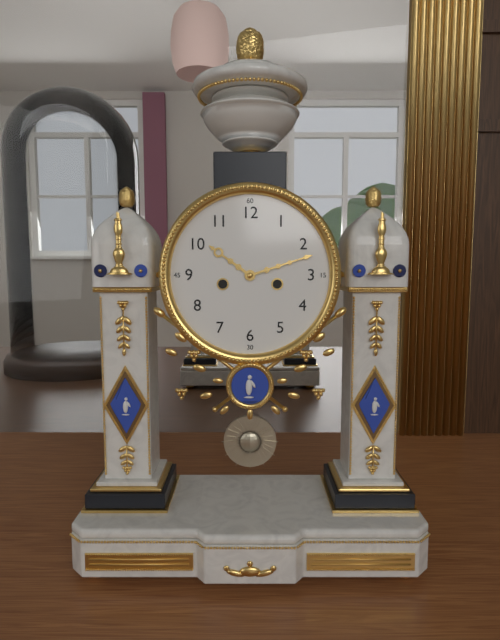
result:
10,12
